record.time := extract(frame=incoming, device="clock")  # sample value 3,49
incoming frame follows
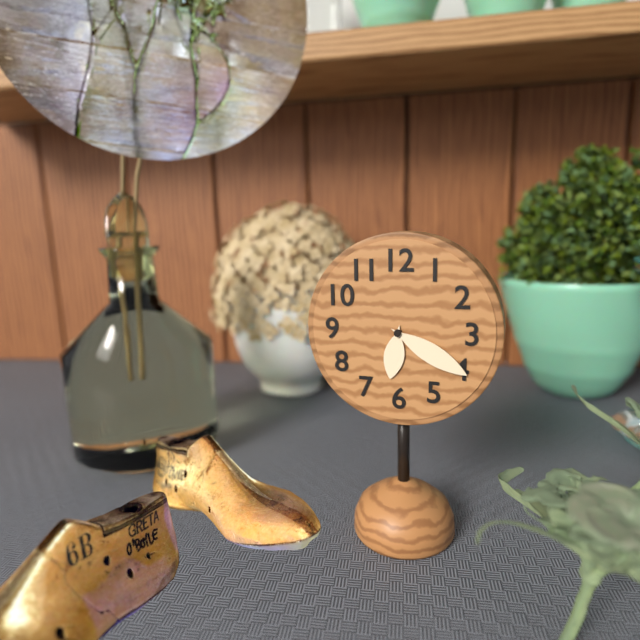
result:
6,20
